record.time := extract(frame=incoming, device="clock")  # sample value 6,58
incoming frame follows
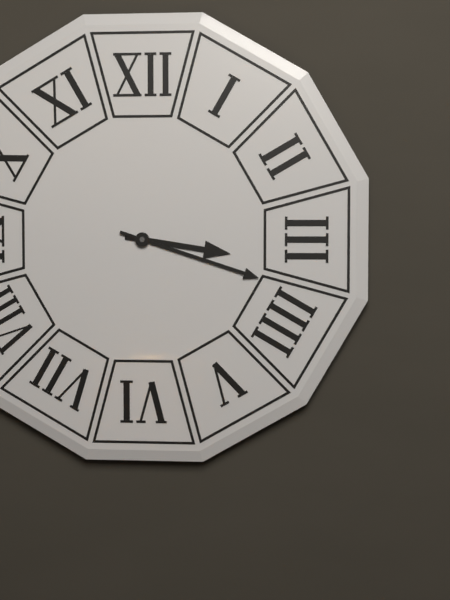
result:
3,18
